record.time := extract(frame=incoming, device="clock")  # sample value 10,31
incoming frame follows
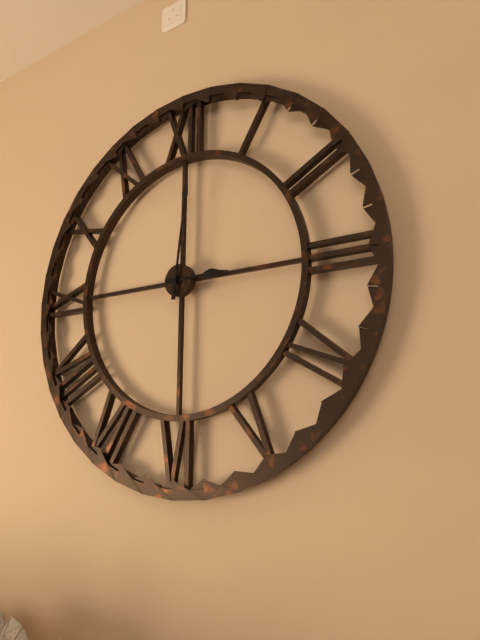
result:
3,01
